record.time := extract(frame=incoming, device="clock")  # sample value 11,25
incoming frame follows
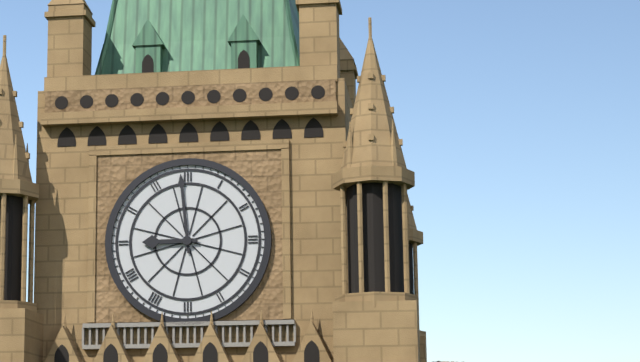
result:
8,59
